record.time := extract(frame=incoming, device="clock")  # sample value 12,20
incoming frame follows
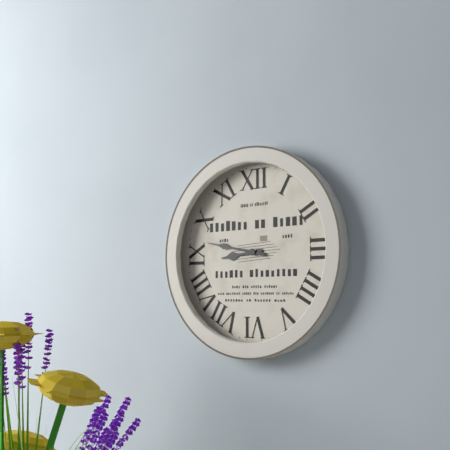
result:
8,47
